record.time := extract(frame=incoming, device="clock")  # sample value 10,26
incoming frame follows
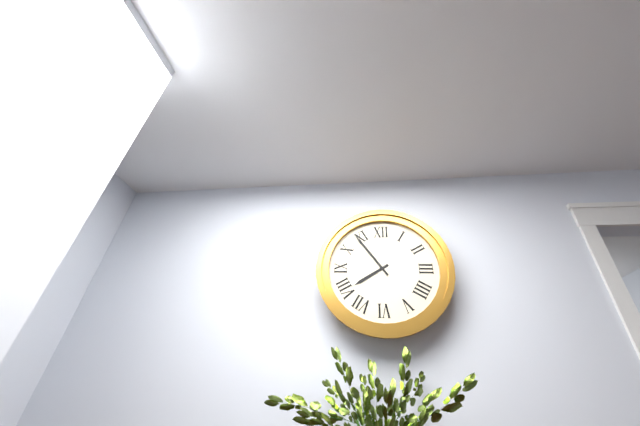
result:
7,54
